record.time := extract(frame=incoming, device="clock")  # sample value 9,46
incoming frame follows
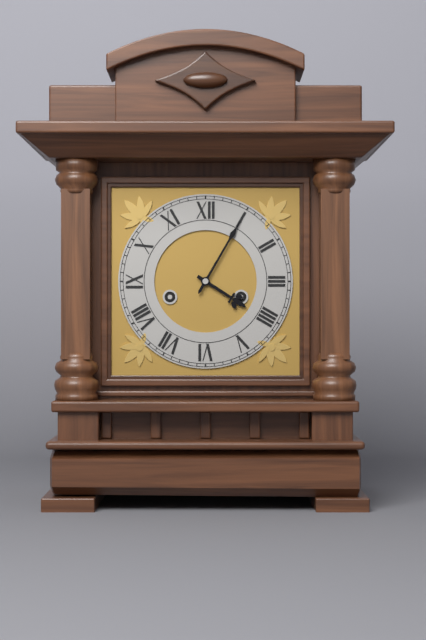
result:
4,05
